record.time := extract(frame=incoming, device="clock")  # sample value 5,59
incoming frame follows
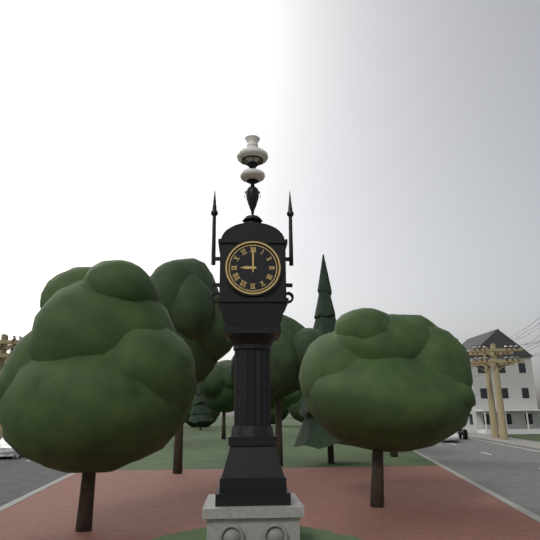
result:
9,00
